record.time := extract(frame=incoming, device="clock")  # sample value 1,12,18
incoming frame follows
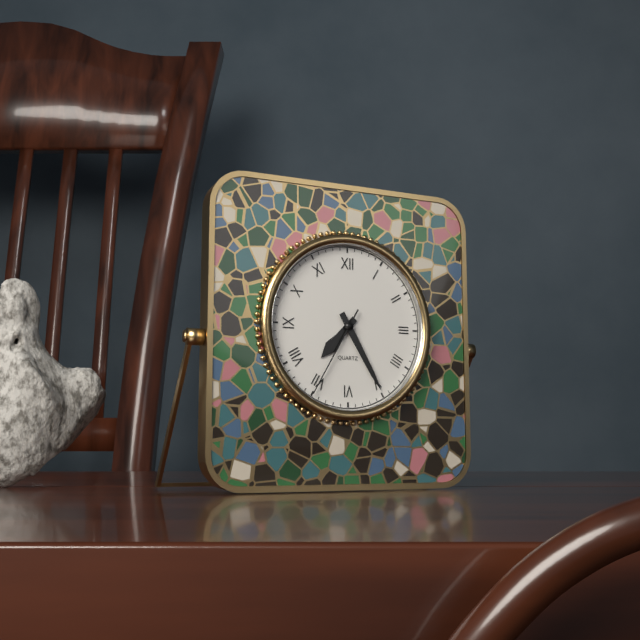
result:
7,25,35
